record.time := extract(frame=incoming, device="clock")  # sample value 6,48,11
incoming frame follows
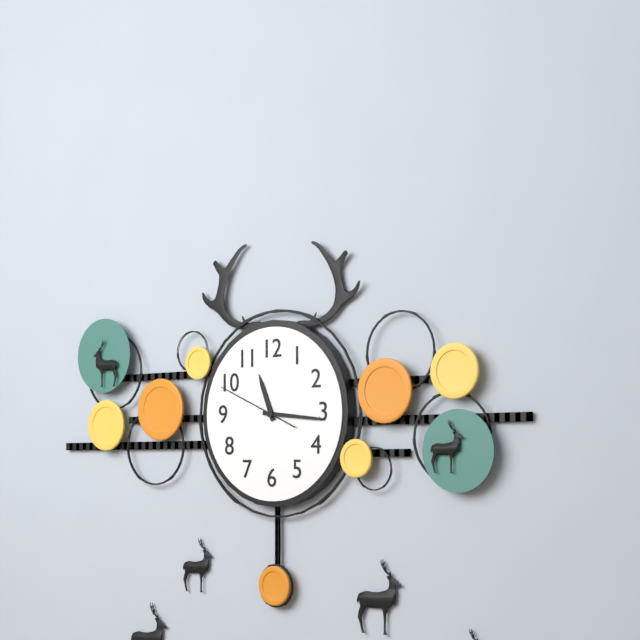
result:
11,16,49
